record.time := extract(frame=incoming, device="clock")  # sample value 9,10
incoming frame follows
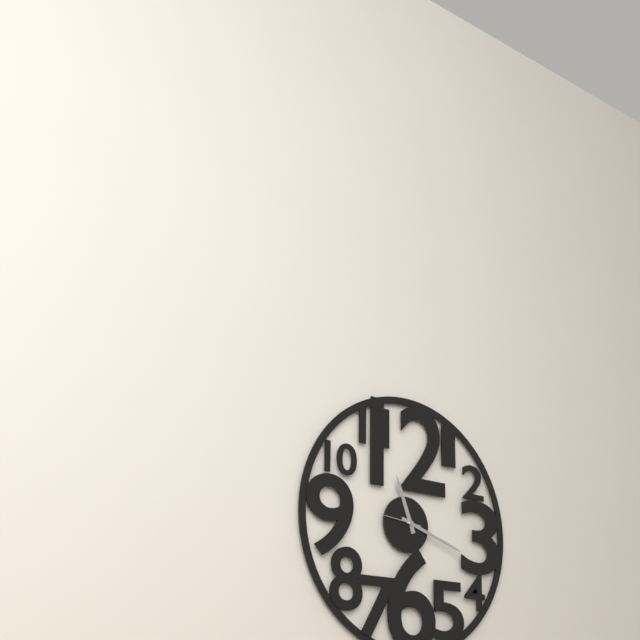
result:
11,18
